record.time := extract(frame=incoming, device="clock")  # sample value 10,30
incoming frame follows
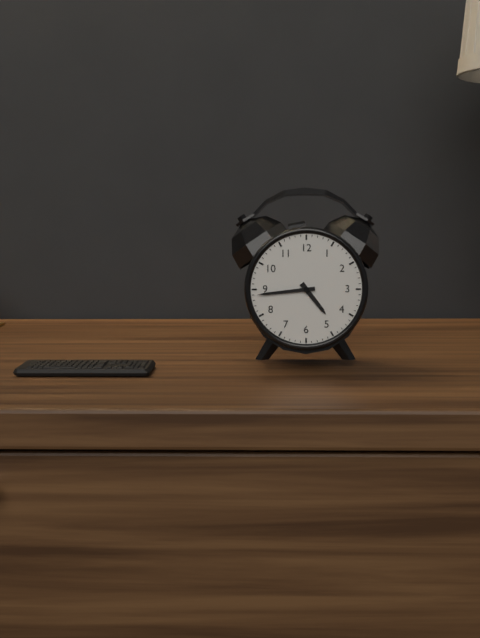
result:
4,44
